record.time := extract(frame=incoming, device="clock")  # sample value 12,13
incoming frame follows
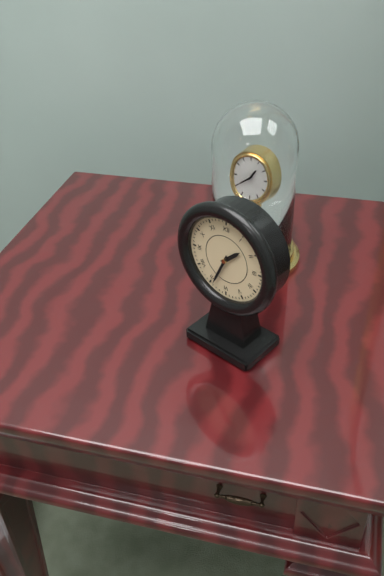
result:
1,34
